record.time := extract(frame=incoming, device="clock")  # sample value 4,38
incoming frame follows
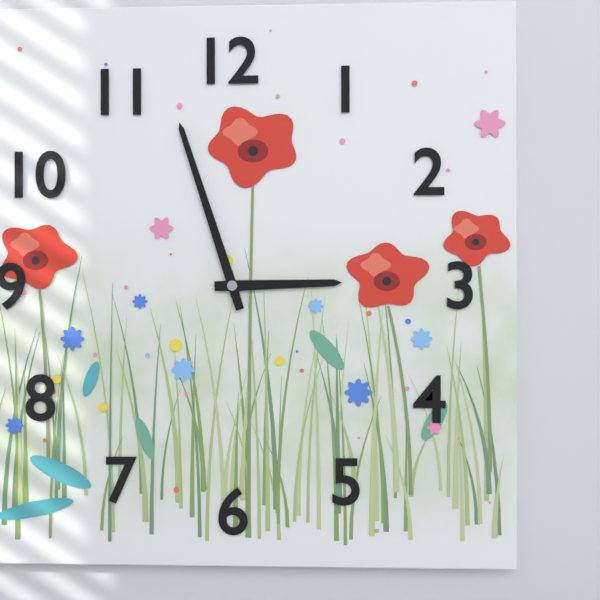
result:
2,57
